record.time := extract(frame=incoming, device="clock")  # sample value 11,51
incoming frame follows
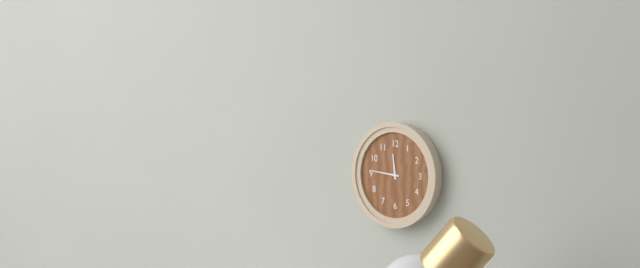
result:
11,46
